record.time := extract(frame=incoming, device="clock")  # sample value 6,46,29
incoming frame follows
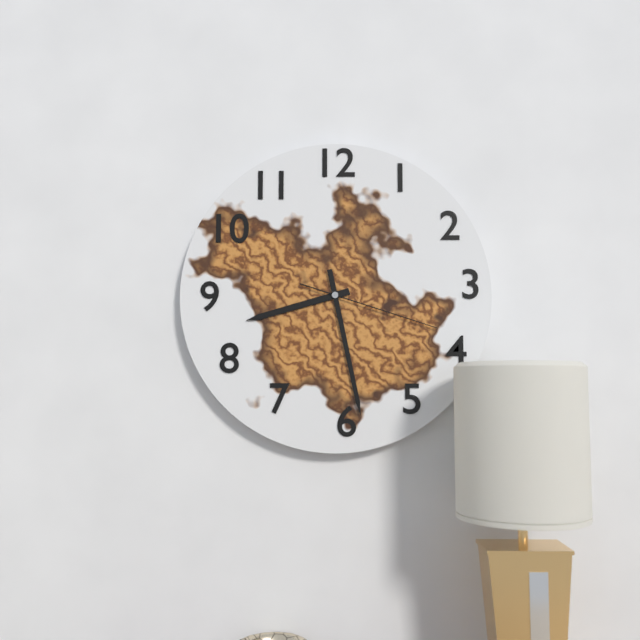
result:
8,28,18
